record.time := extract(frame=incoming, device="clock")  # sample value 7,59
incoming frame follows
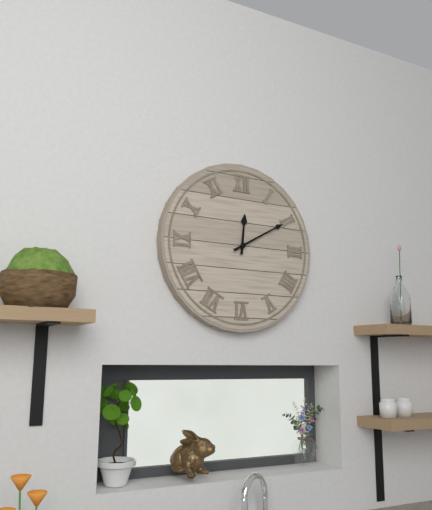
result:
12,10
